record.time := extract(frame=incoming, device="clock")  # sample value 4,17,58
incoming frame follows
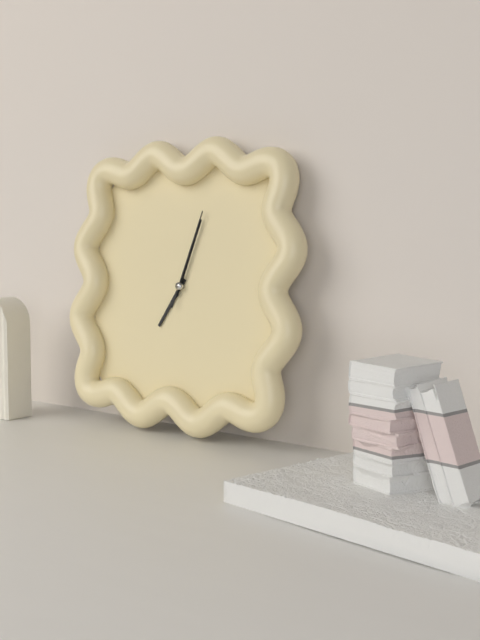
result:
7,03,03
